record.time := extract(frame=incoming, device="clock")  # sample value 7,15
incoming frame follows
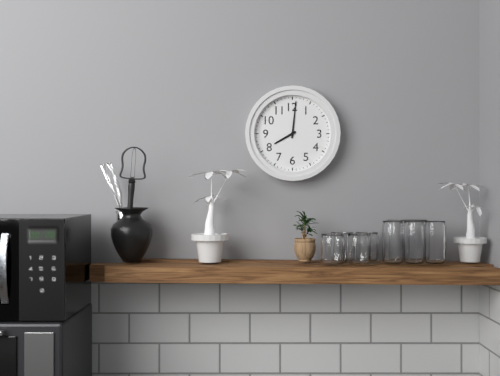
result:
8,01
